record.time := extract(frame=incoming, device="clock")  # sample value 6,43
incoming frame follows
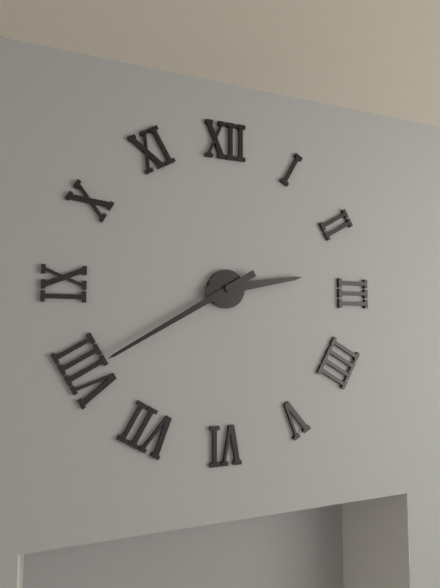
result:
2,40
